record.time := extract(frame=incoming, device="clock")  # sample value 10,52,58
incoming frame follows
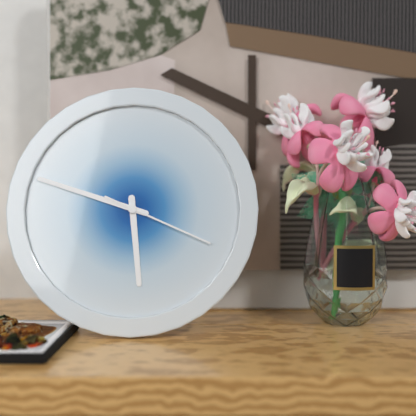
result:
5,48,19
